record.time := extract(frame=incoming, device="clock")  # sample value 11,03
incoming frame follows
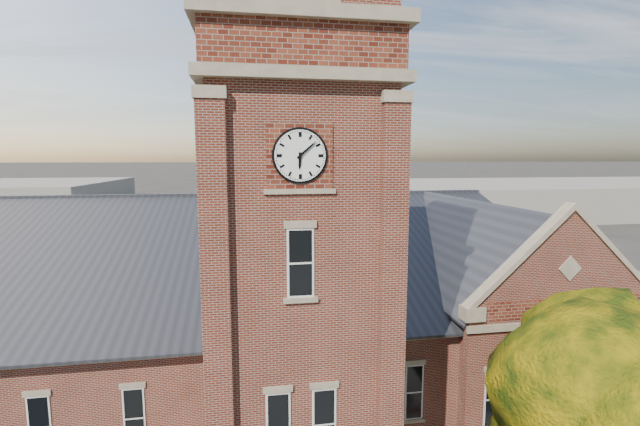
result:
6,08
